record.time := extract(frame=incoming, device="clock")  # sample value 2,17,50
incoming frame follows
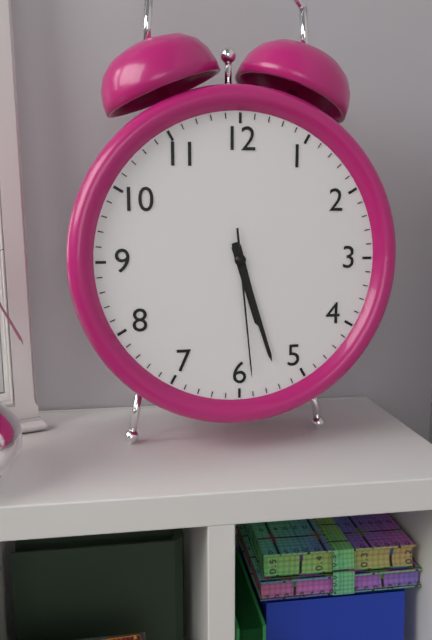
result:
5,27,29
